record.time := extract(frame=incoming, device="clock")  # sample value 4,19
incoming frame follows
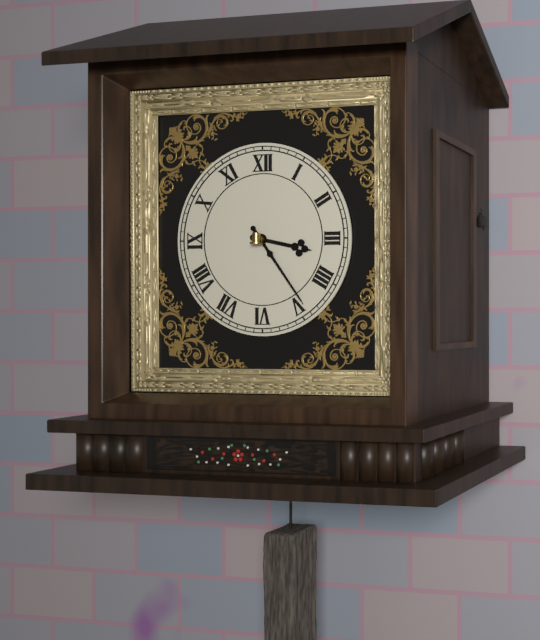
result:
3,24
